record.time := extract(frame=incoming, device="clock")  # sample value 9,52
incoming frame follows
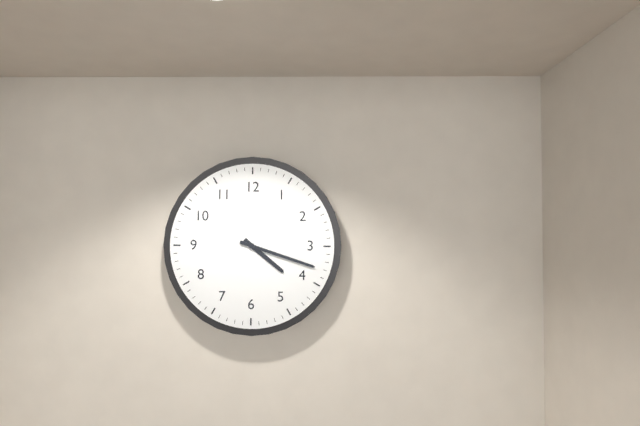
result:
4,18
